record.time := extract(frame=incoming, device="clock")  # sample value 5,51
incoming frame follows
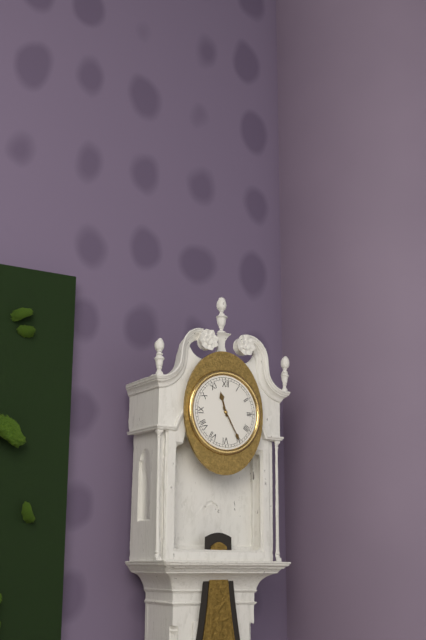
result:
11,25
